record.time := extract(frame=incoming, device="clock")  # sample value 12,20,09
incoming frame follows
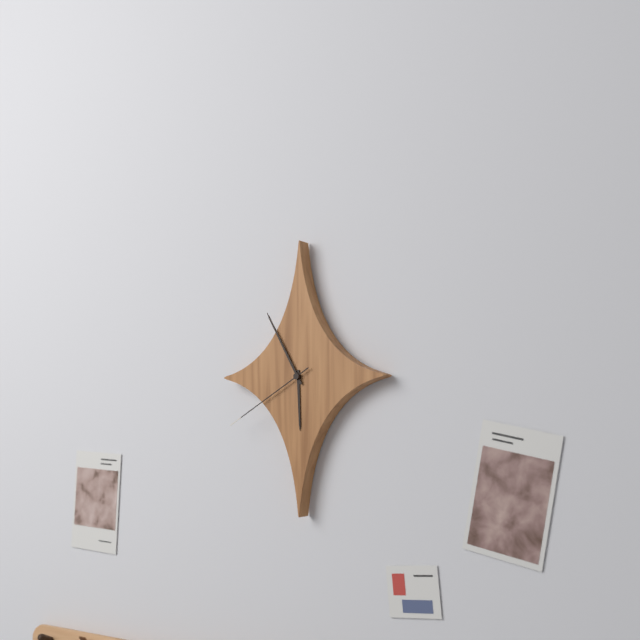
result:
5,55,40
